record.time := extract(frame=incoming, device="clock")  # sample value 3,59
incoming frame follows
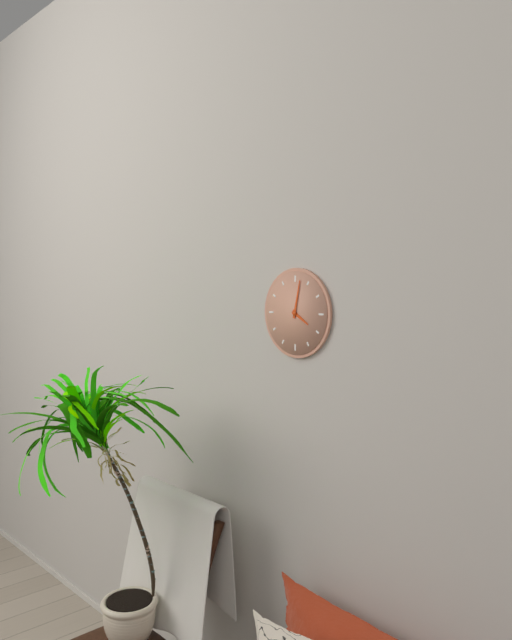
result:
4,02
